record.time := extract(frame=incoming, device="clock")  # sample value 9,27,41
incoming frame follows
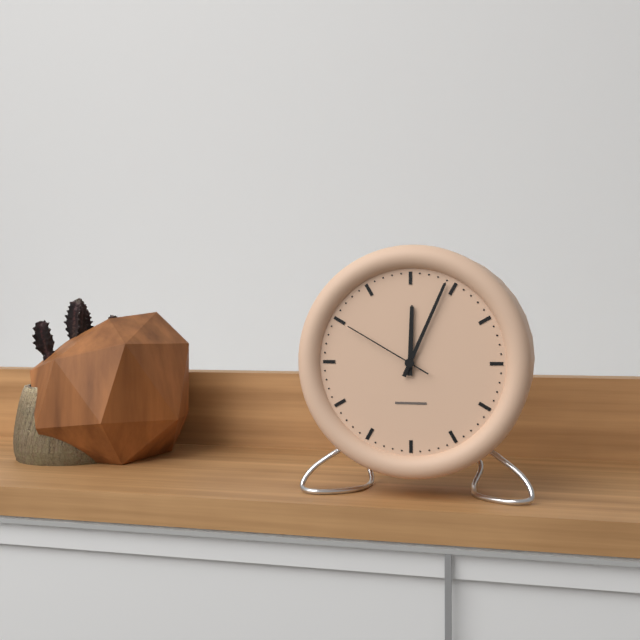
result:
12,04,50
